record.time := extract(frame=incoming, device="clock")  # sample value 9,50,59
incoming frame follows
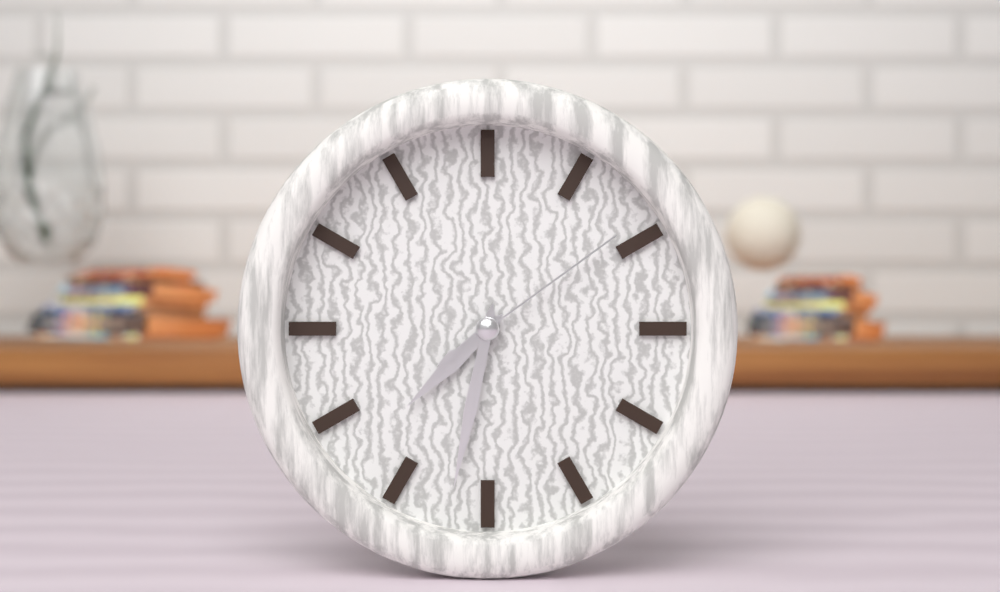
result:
7,32,09
